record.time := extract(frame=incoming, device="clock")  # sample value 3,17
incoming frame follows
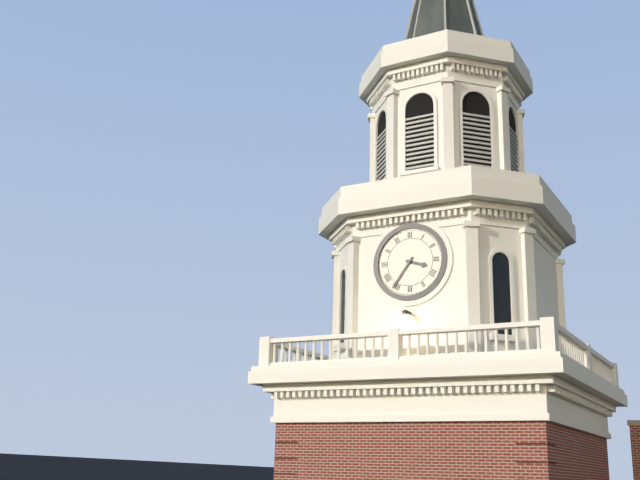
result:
3,36
